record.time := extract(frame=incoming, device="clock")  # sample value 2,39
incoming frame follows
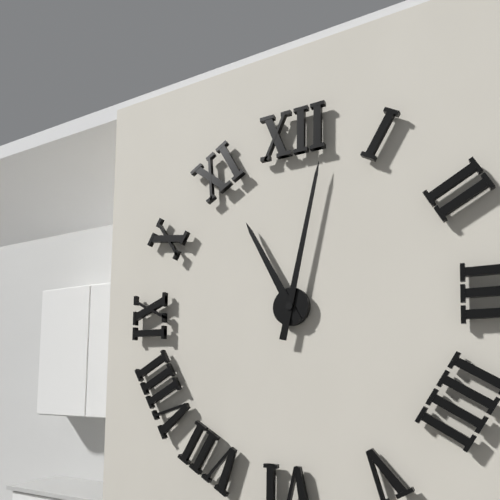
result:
11,02
